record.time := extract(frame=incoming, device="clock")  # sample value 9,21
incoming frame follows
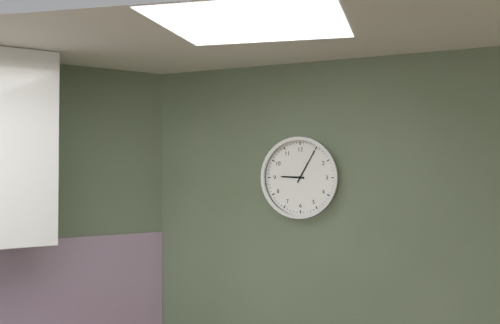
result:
9,05
